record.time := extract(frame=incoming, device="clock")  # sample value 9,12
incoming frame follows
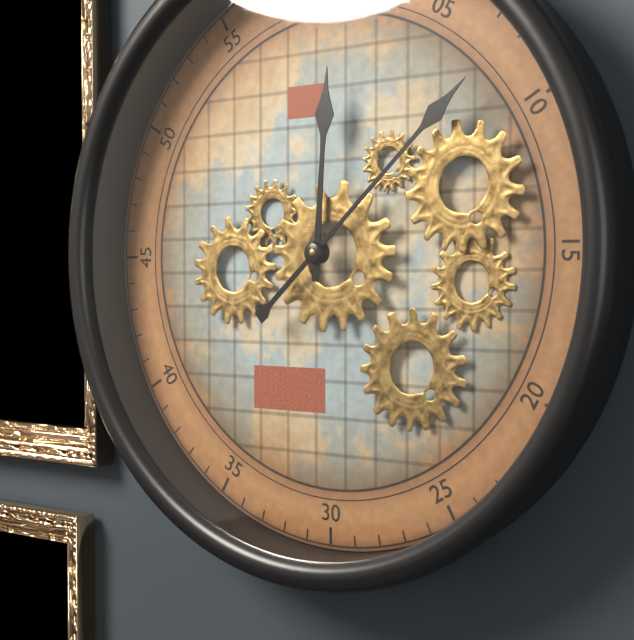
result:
12,08
